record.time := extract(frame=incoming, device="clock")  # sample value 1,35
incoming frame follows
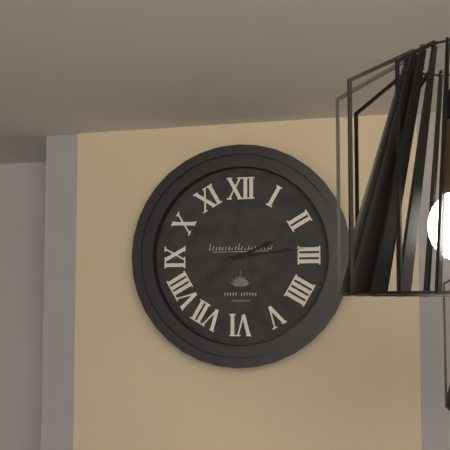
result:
2,14
